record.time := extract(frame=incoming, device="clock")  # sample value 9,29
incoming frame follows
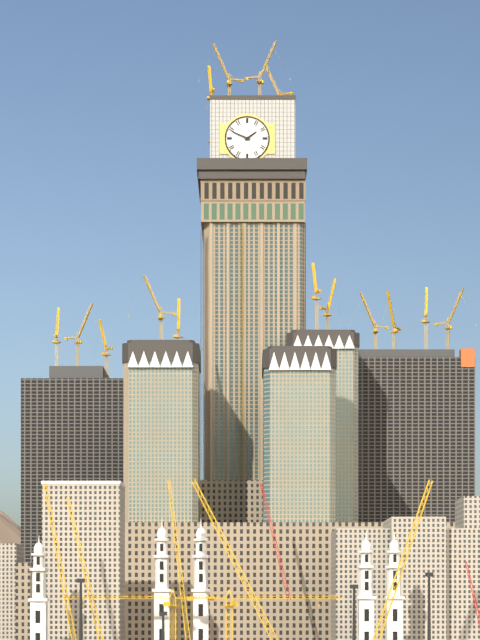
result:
1,49
